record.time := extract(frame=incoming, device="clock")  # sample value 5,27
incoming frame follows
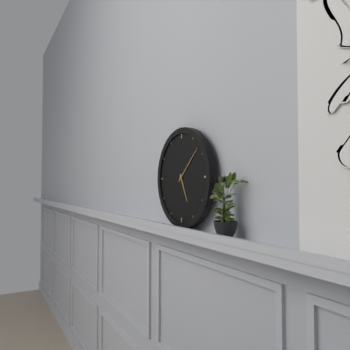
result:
5,08
